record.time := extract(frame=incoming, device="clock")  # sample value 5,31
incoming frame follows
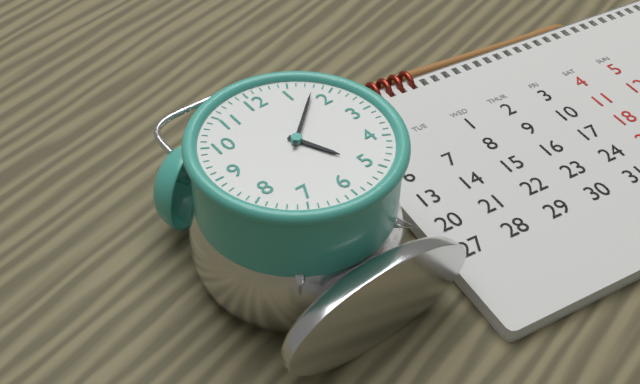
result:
5,08
